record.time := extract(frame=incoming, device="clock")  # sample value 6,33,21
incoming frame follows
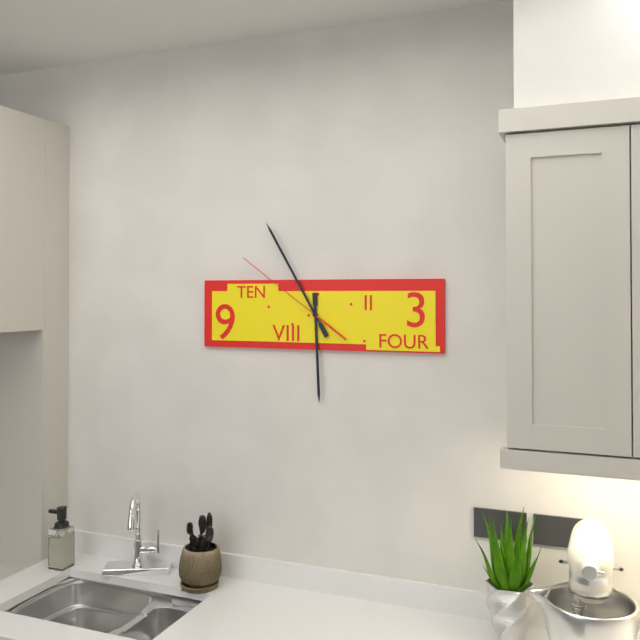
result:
5,55,51
